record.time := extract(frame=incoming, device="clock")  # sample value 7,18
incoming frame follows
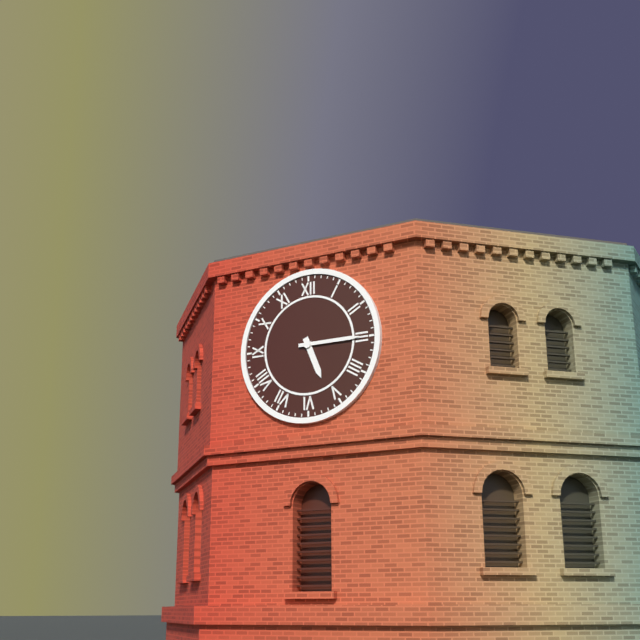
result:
5,15
